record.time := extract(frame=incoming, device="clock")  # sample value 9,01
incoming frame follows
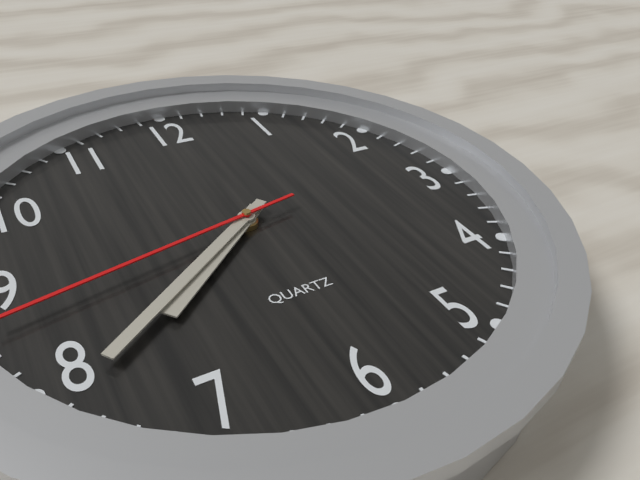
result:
7,39
